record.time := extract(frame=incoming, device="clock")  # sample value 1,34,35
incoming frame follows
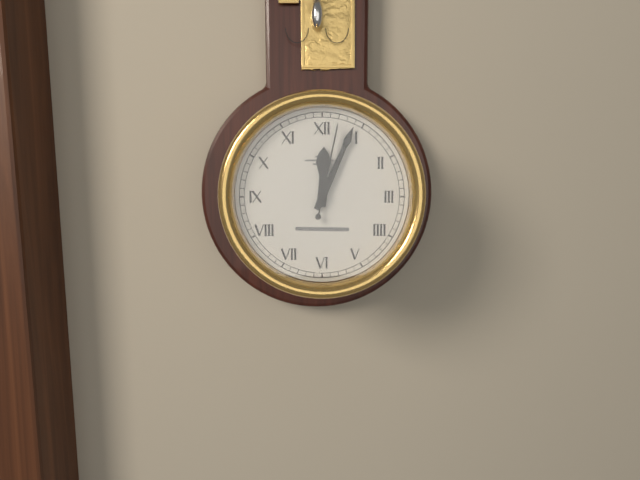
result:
12,04,02
